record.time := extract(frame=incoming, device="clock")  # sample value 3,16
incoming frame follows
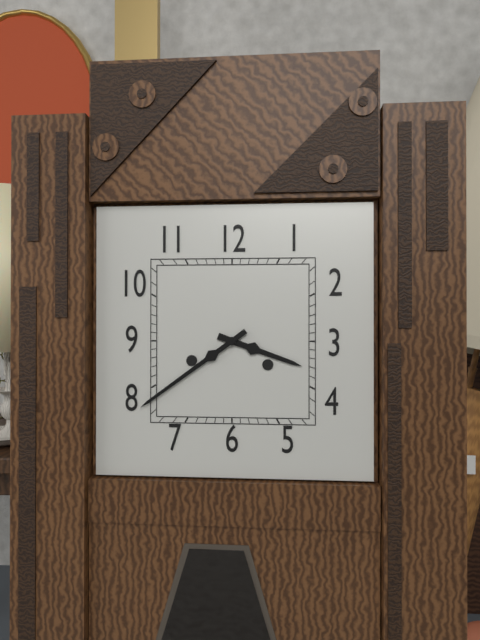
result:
3,39
